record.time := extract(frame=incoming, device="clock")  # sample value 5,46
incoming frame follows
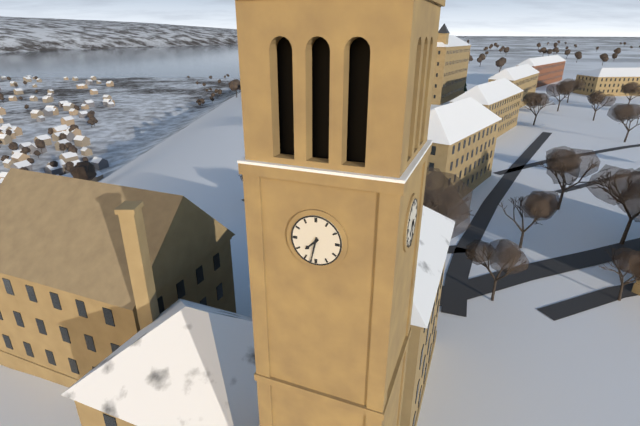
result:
7,32
